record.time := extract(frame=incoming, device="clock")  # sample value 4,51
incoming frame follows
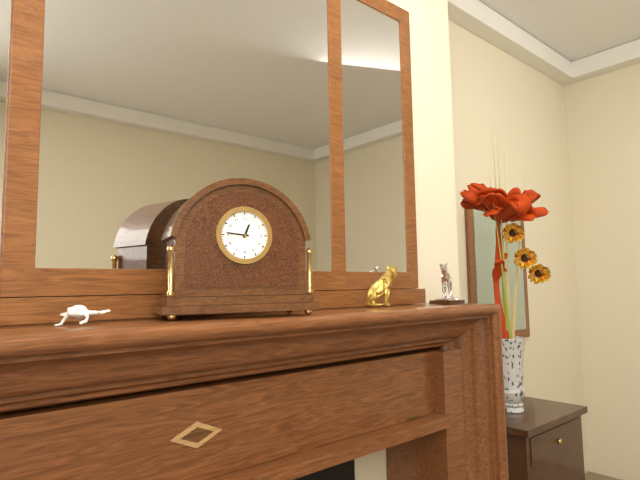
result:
12,46
